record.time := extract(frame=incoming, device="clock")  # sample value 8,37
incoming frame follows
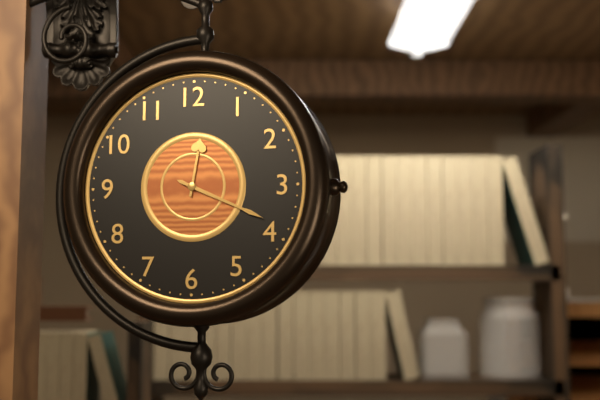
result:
12,19
